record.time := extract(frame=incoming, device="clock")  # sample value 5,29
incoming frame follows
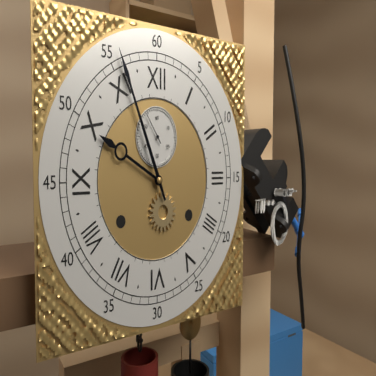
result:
9,56
